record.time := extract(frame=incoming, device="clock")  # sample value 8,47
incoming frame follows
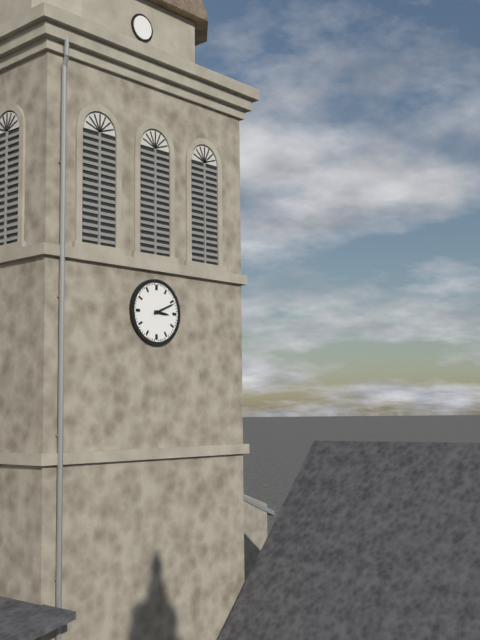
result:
3,11
